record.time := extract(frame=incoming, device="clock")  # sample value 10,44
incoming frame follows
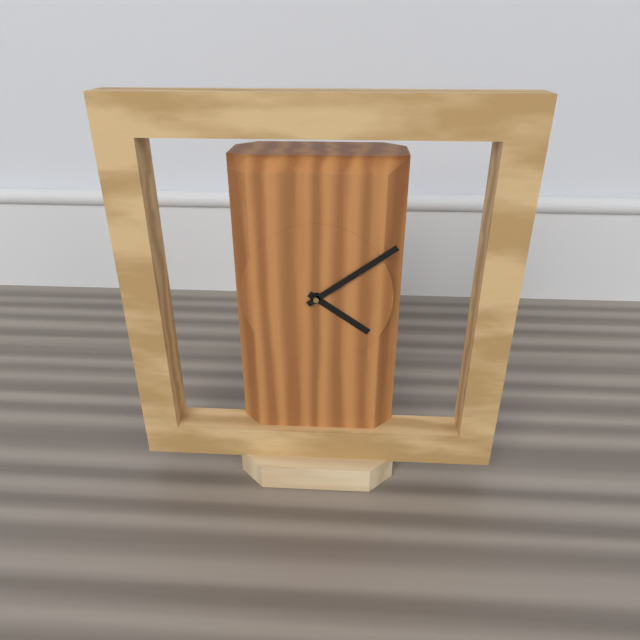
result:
4,09
